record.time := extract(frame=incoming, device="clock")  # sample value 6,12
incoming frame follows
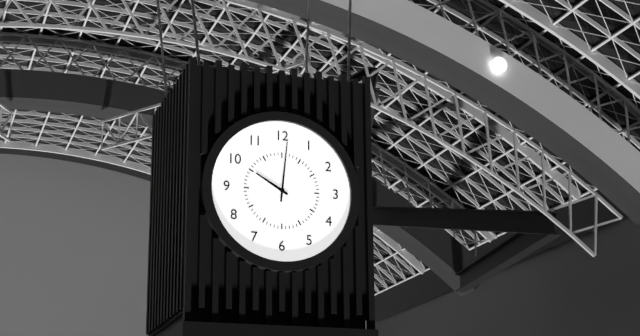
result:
10,01
